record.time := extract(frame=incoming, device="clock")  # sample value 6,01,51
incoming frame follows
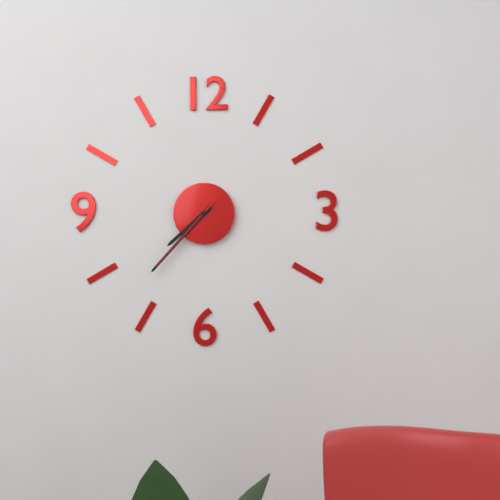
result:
7,37,37
